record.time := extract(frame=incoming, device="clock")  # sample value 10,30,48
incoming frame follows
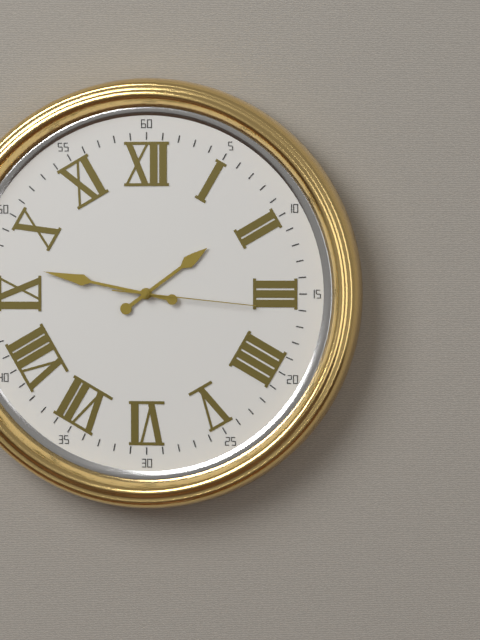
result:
1,47,16
